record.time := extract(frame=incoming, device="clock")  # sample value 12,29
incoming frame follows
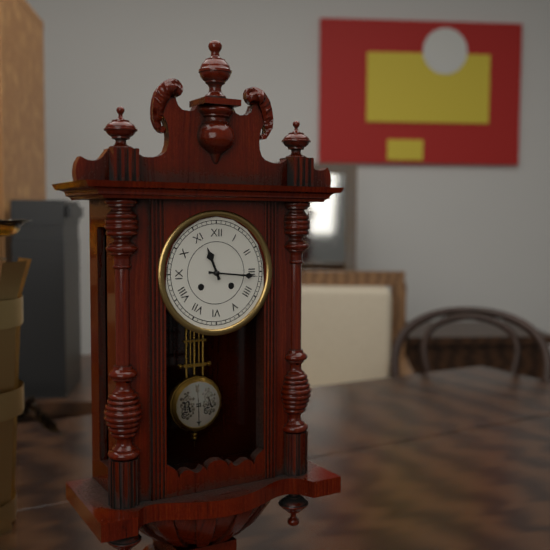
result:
11,16
